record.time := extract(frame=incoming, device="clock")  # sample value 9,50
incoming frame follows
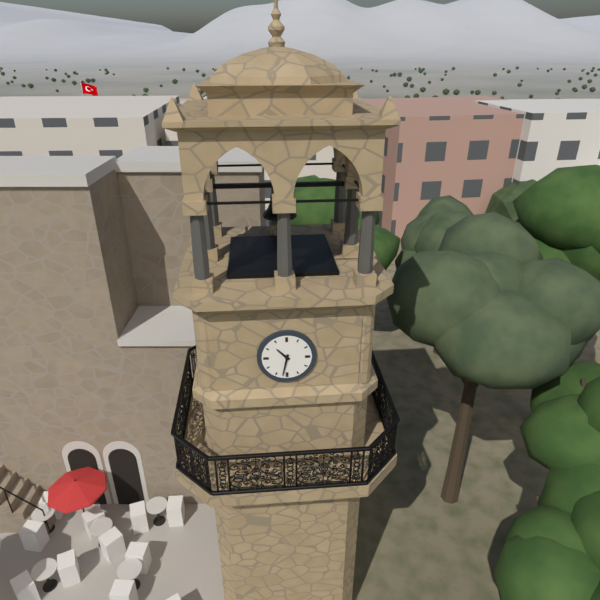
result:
10,32
